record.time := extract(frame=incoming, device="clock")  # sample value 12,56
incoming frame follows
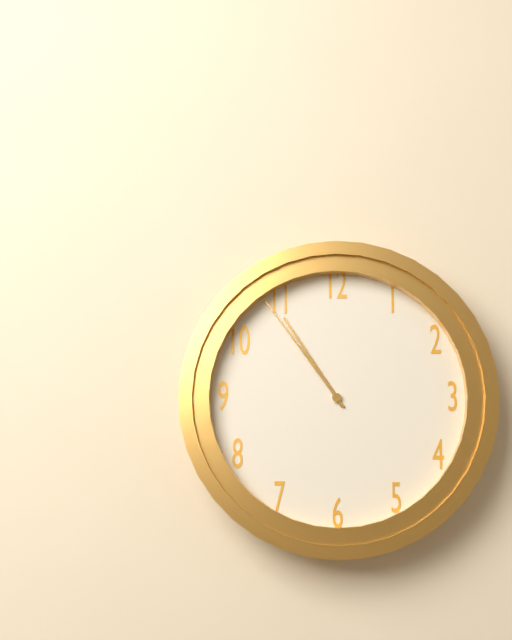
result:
10,54
